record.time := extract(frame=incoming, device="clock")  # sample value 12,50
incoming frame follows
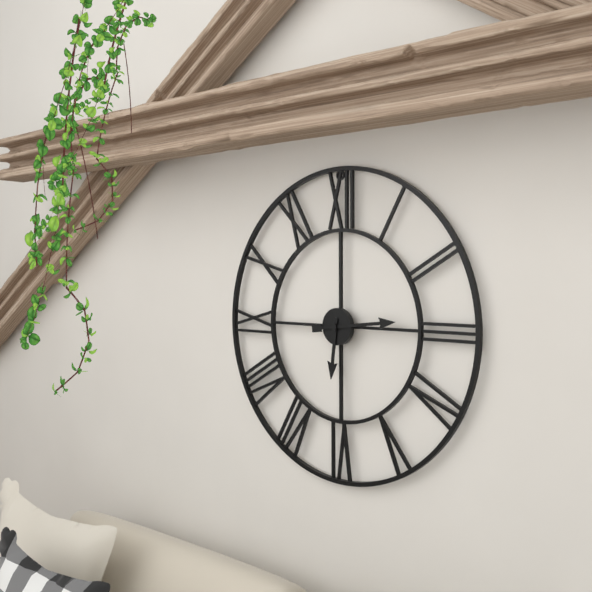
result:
6,14
